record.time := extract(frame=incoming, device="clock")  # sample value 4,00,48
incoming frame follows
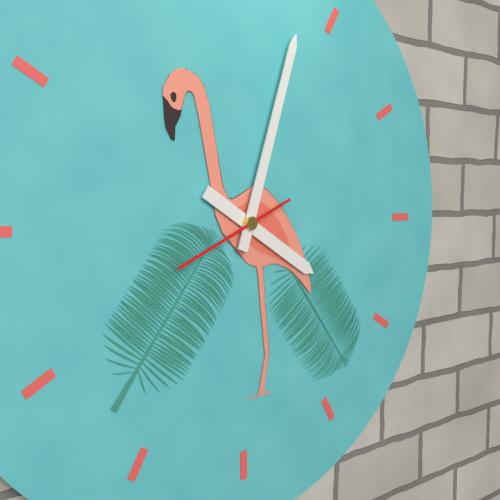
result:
4,03,41
